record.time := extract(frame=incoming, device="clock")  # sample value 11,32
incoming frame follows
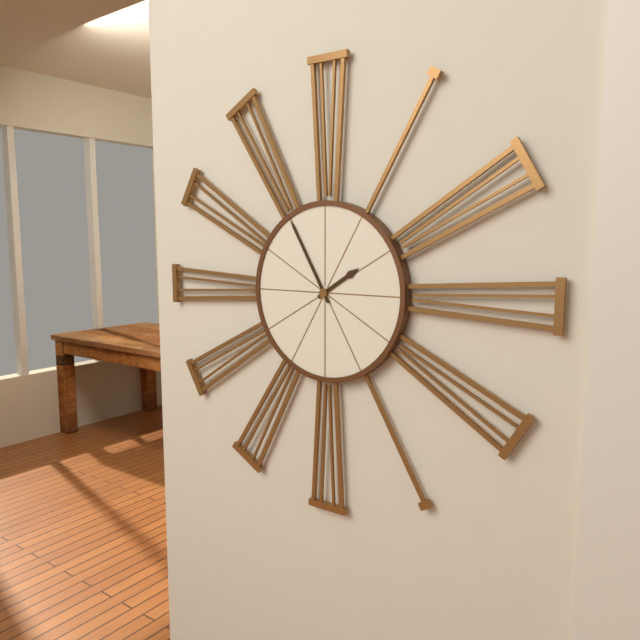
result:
1,55
